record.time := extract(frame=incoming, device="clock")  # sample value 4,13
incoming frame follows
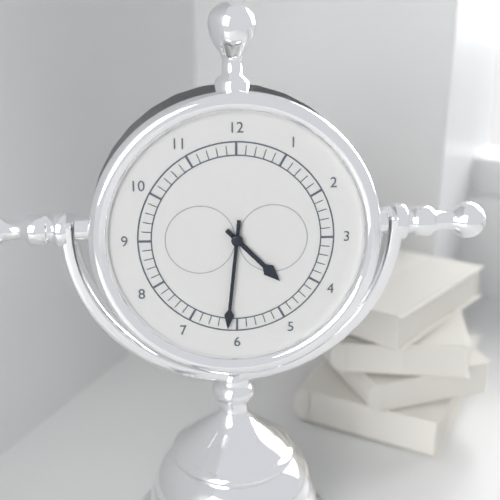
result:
4,31
